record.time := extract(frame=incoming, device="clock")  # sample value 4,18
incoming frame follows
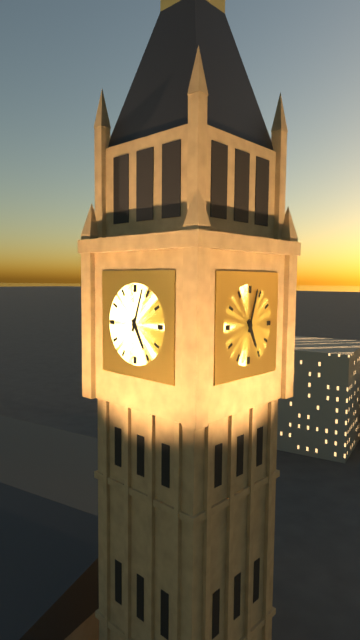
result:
5,03
